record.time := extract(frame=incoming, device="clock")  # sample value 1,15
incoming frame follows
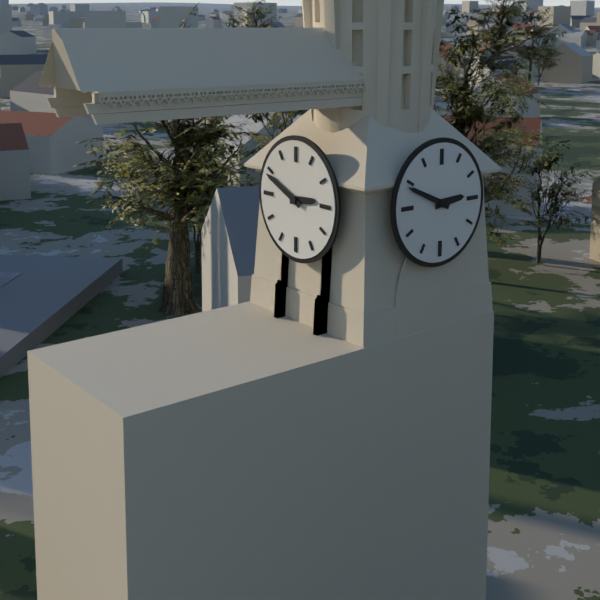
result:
2,49
